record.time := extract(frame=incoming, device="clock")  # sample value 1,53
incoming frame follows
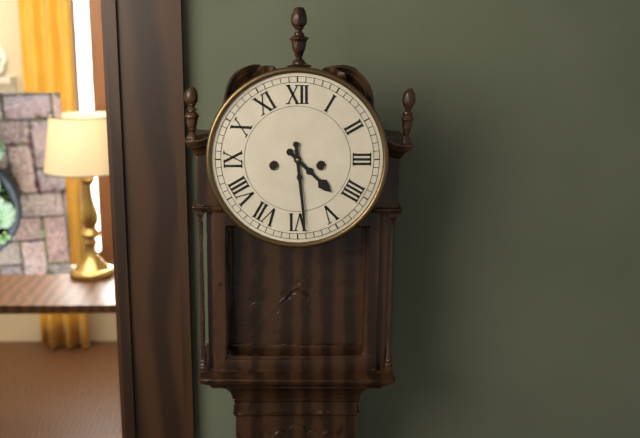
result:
4,29
